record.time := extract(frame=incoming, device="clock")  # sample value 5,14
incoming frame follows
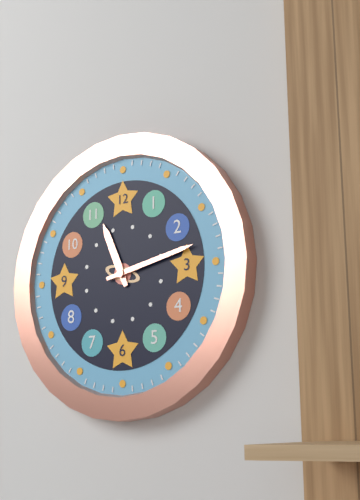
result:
11,13
